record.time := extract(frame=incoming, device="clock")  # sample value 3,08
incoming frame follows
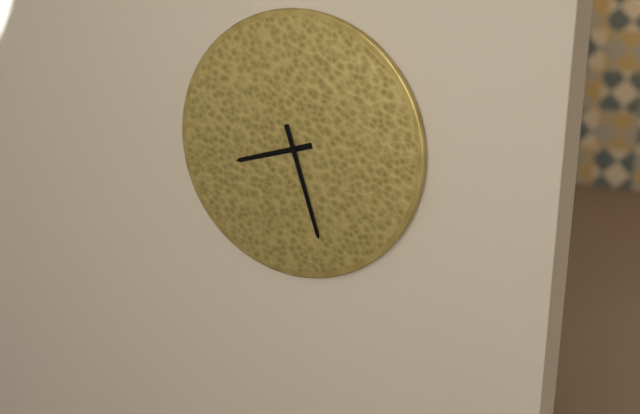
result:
8,27
